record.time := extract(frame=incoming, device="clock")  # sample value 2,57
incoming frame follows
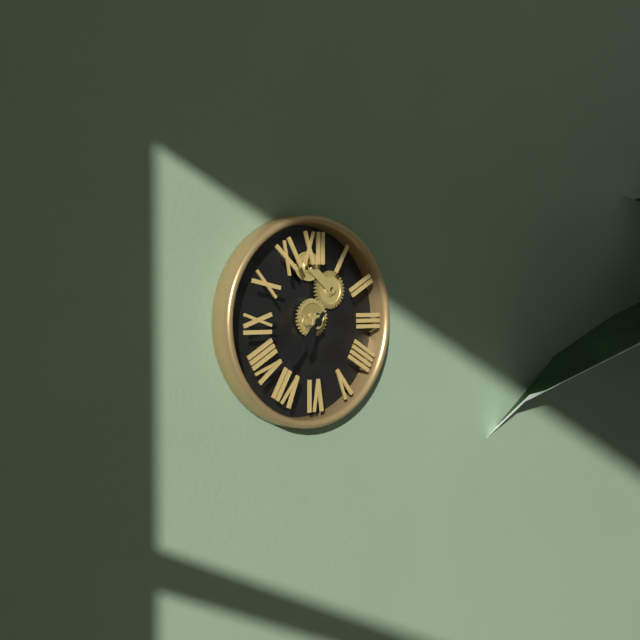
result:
6,37
